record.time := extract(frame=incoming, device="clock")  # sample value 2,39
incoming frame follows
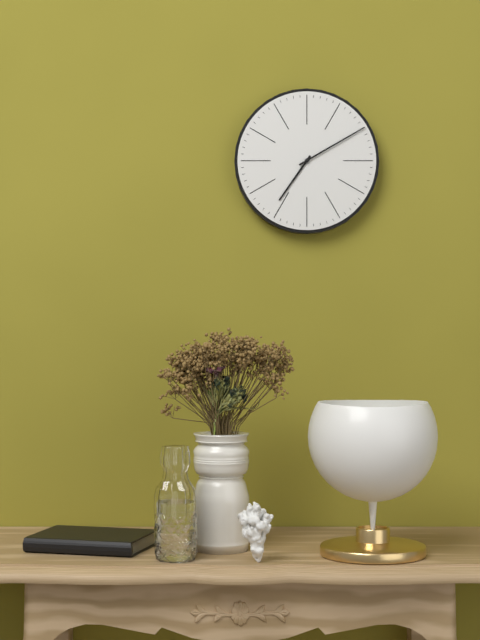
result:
7,10
